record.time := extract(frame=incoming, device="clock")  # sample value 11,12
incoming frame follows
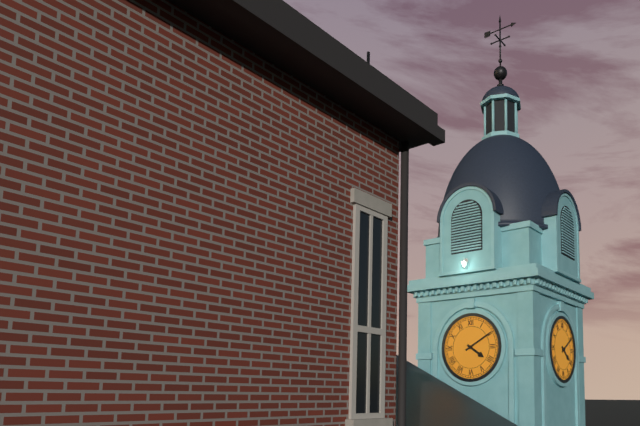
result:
4,10
